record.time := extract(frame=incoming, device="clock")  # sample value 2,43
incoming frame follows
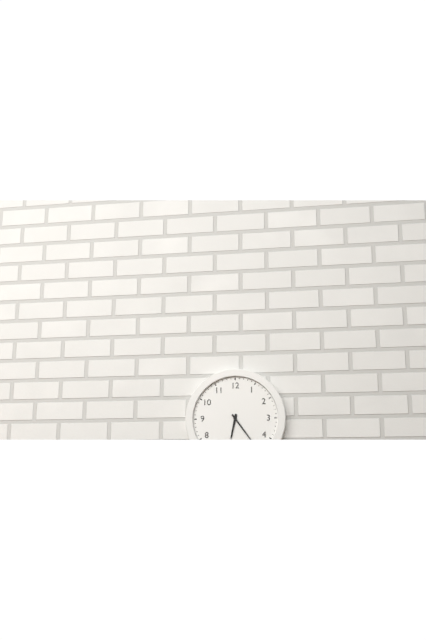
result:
6,24
